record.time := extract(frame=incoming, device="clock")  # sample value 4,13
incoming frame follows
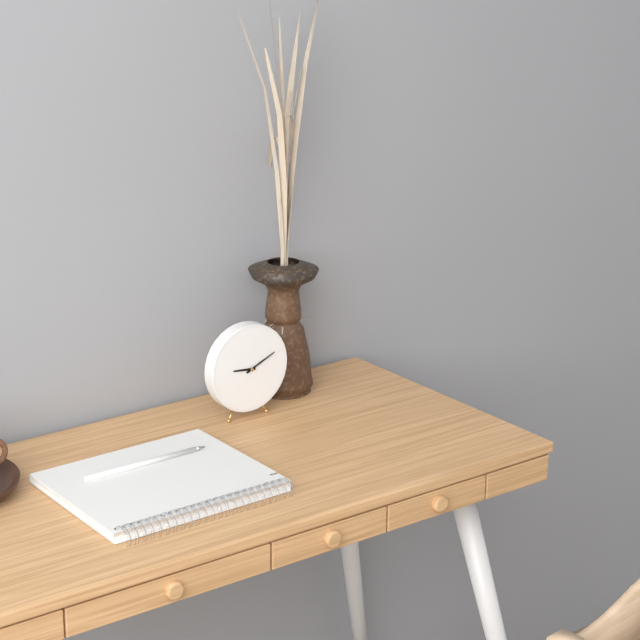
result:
9,11
